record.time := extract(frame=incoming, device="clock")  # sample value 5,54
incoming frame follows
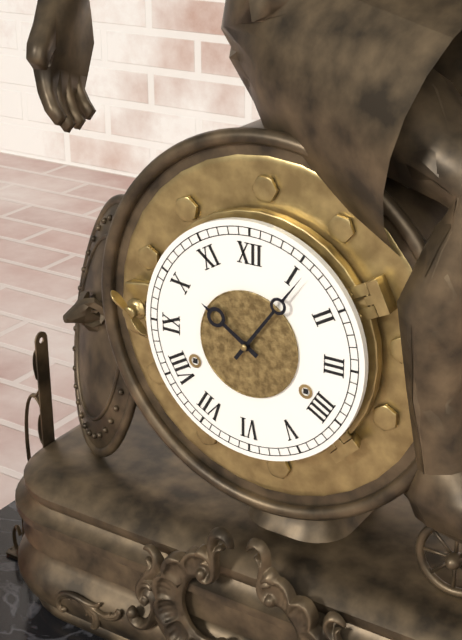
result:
10,06
